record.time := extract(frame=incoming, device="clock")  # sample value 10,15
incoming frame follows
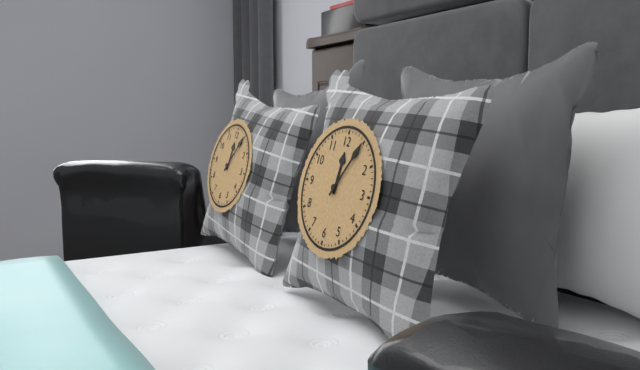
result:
12,05
